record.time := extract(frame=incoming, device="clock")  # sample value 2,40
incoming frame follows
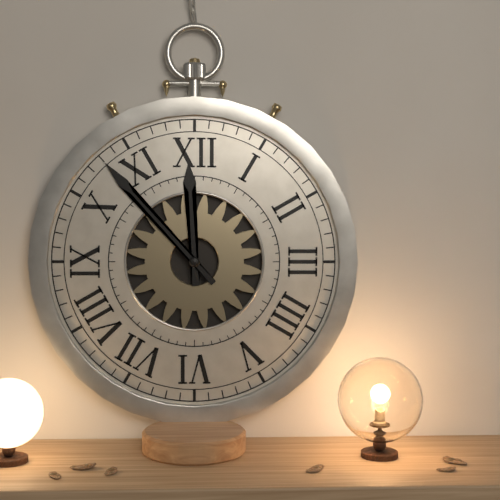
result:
11,53
